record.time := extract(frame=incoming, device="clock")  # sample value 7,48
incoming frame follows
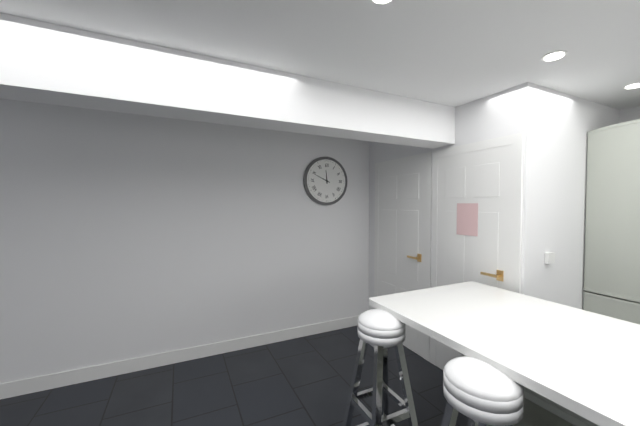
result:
11,49
